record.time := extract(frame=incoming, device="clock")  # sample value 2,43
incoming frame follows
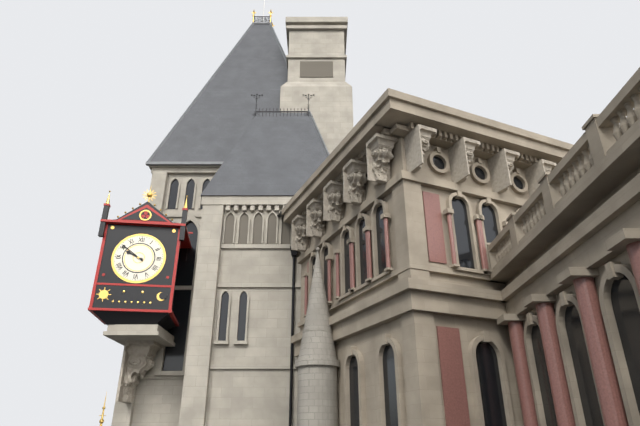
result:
9,51
